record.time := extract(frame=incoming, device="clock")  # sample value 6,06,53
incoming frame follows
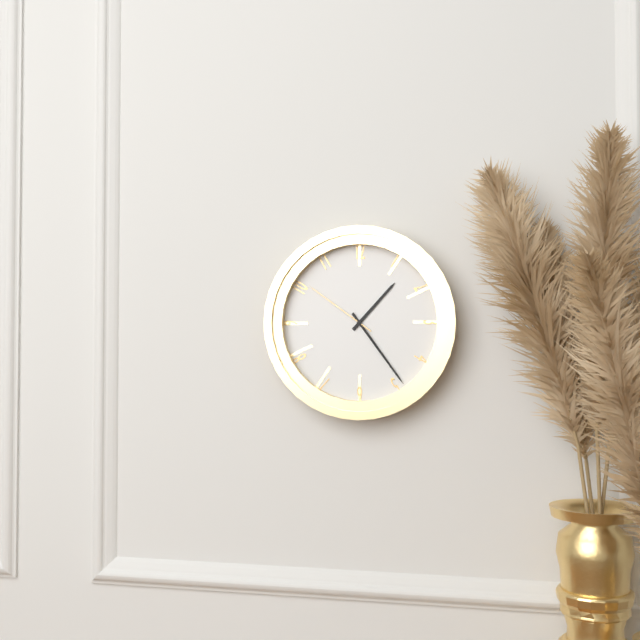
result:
1,24,51
